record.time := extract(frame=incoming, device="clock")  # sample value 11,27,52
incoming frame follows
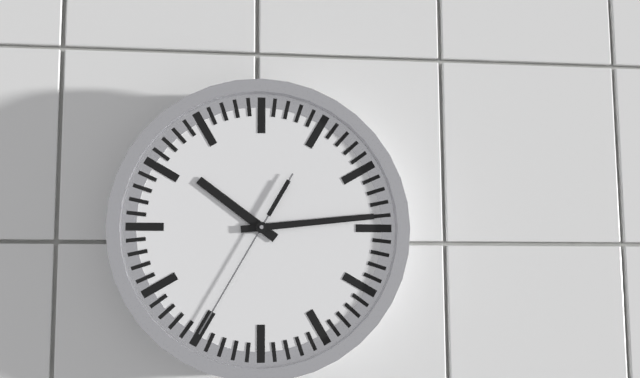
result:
10,14,35
